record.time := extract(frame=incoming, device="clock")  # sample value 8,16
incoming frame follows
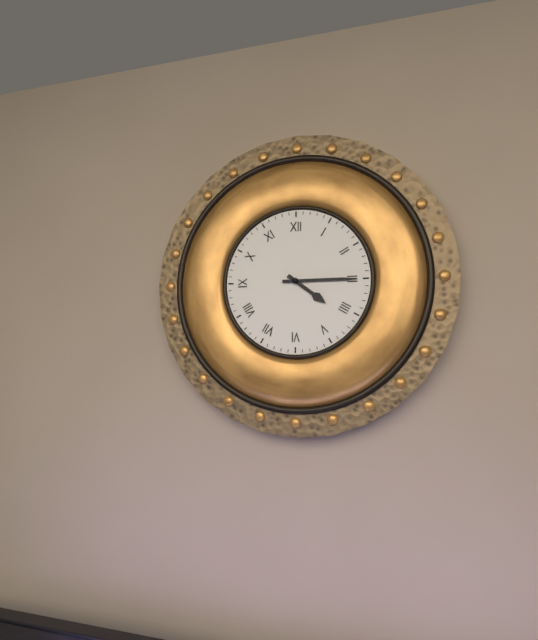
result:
4,15
